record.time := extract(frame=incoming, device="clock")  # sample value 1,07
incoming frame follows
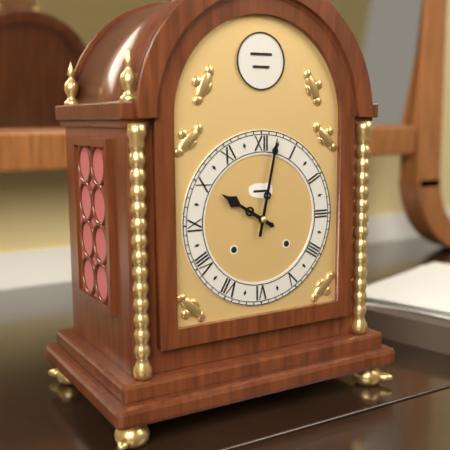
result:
10,02
